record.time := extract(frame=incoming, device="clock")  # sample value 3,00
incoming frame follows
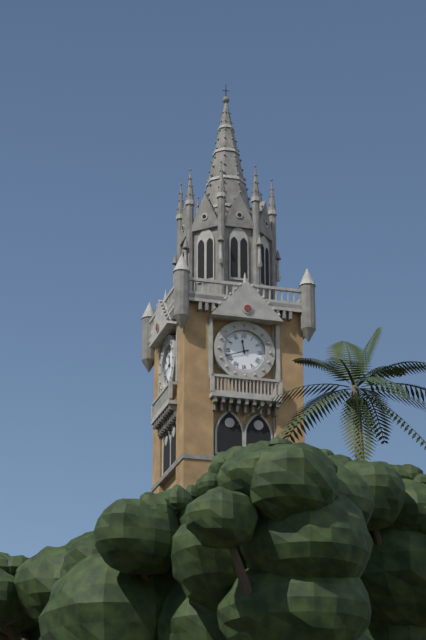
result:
11,42
